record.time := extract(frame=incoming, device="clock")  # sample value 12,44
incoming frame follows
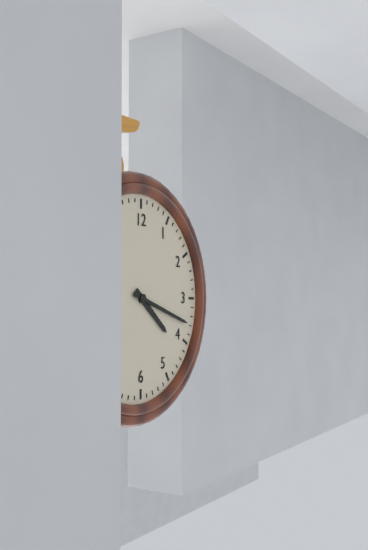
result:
4,18
